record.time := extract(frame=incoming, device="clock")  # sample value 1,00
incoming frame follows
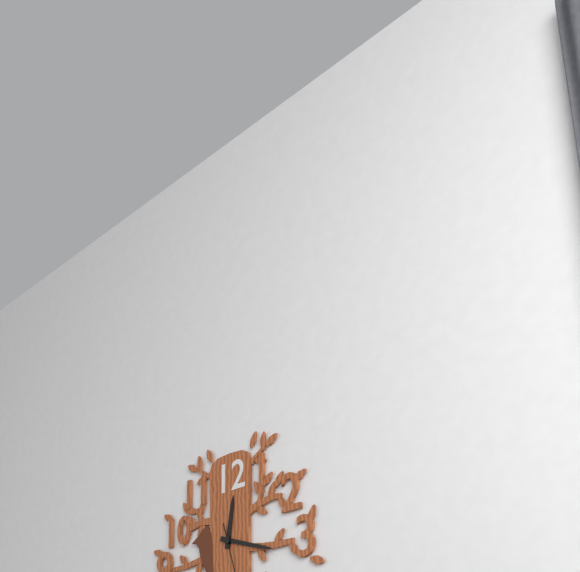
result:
12,18
